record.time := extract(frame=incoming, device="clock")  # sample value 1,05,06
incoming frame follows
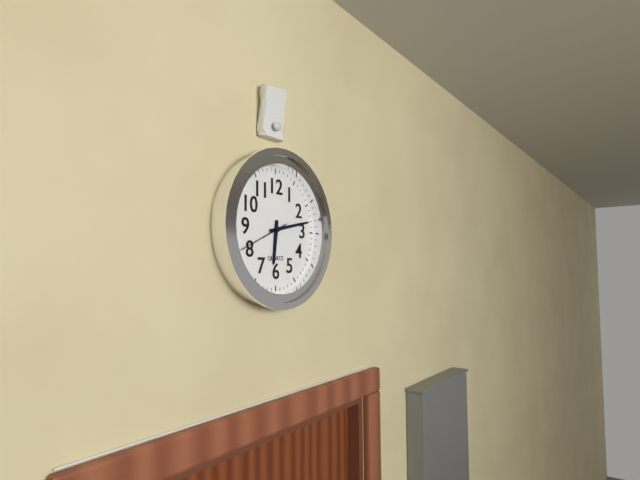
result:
6,13,41
